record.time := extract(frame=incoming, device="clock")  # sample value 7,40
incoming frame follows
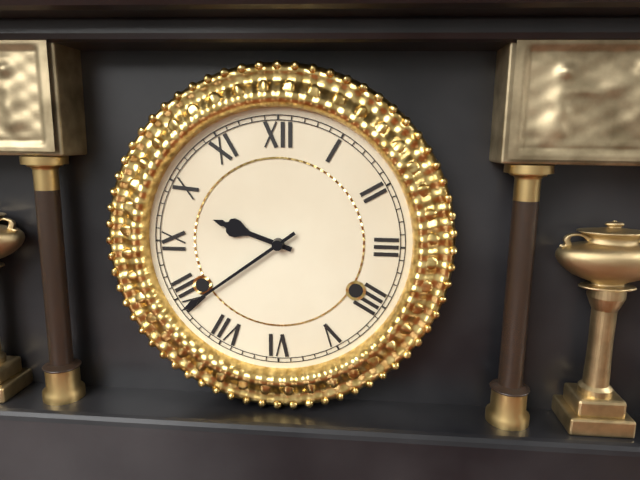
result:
9,39
